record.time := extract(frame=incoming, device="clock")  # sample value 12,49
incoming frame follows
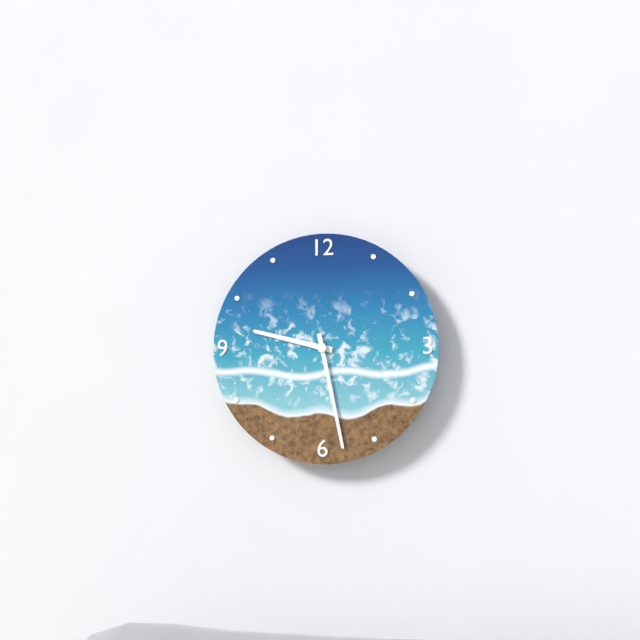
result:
9,28
